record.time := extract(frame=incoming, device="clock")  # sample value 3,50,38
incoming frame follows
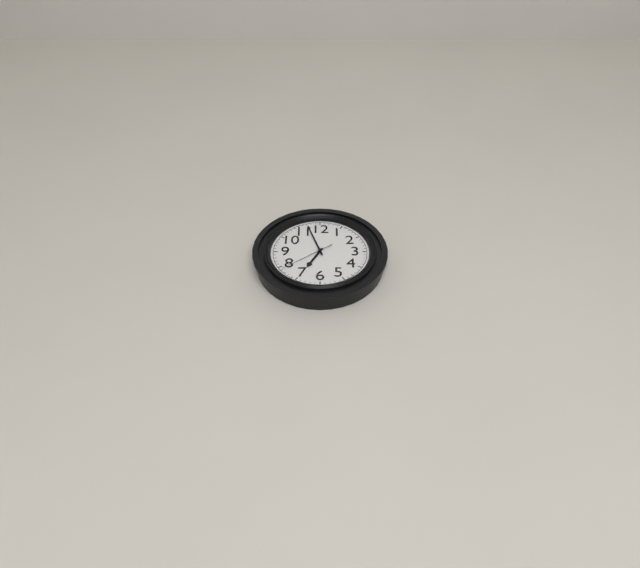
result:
6,57,39
